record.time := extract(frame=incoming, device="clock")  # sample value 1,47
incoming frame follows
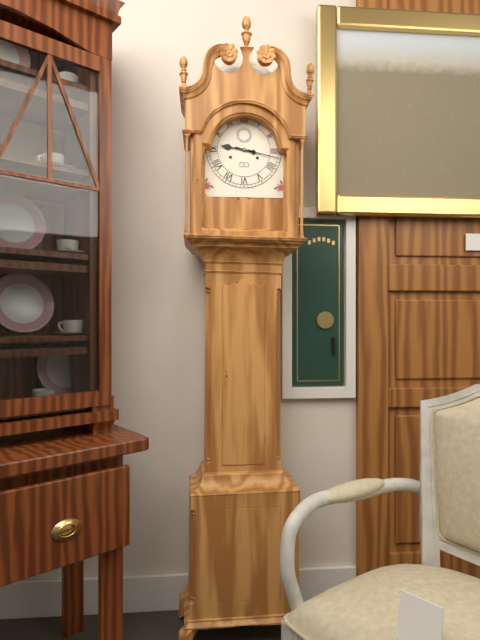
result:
9,17
